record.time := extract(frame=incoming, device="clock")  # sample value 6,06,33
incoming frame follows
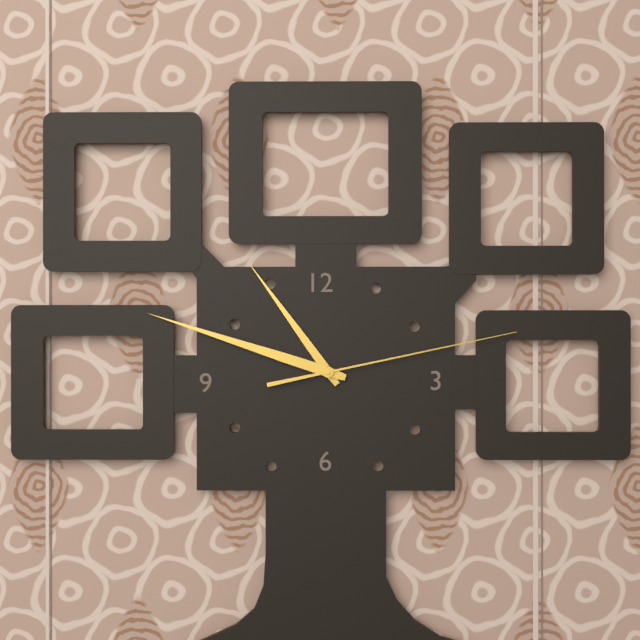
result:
10,48,13
